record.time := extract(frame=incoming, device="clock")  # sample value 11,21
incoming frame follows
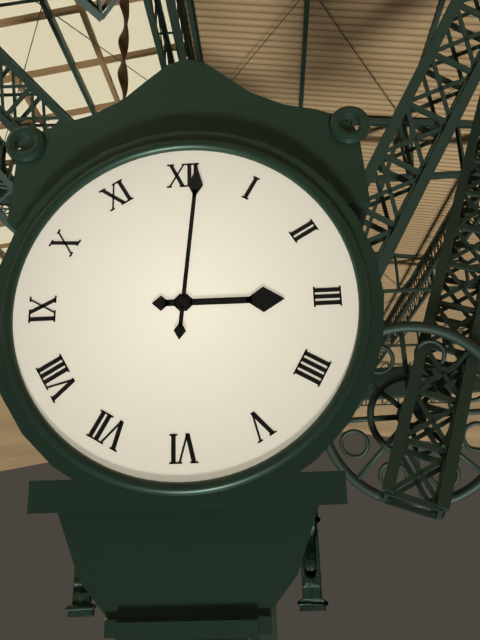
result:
3,01
